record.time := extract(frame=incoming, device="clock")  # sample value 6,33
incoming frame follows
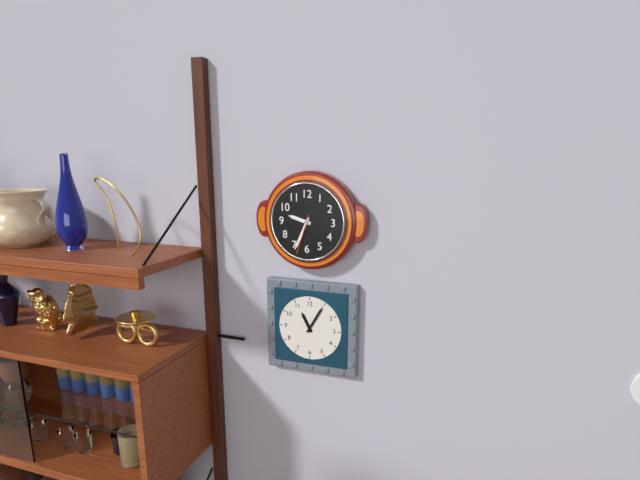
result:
9,34
